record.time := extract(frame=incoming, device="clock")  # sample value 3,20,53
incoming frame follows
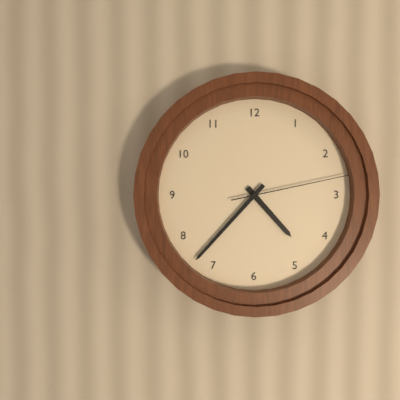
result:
4,37,13
